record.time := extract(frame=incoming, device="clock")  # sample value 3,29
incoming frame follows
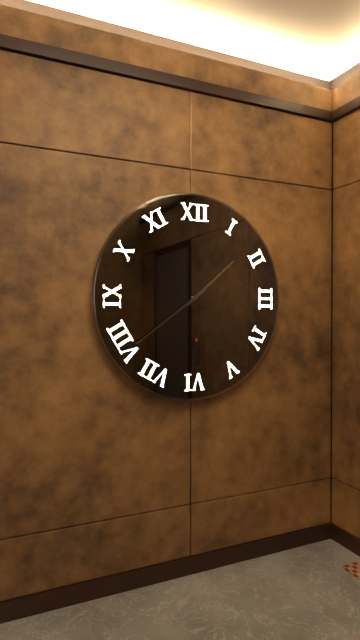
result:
1,39
